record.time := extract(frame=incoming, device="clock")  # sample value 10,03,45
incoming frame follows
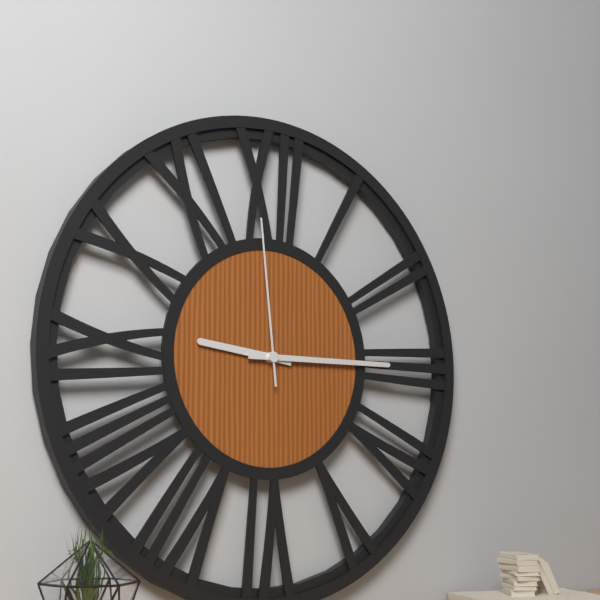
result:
9,15,59
